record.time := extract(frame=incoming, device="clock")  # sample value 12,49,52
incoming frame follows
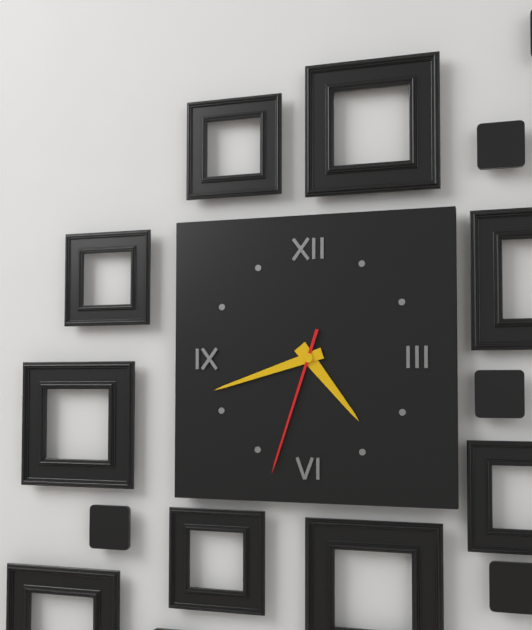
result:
4,42,33
